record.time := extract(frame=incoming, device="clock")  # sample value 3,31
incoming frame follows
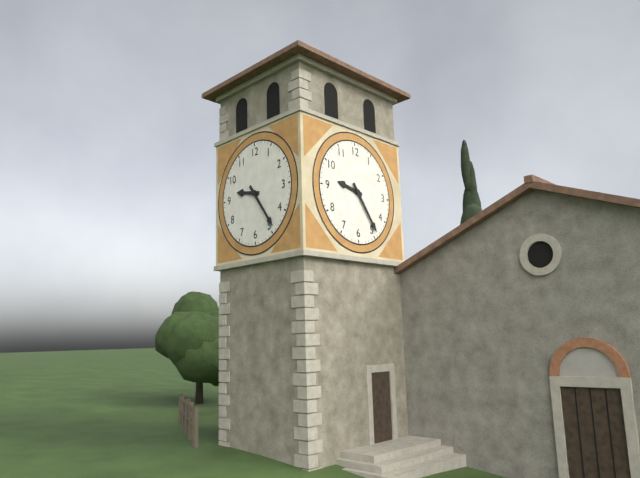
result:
9,24
